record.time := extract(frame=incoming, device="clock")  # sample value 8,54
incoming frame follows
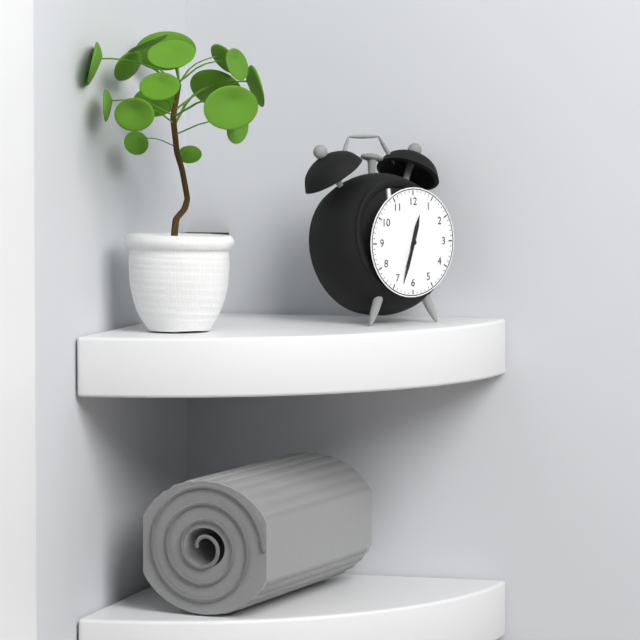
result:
12,33
